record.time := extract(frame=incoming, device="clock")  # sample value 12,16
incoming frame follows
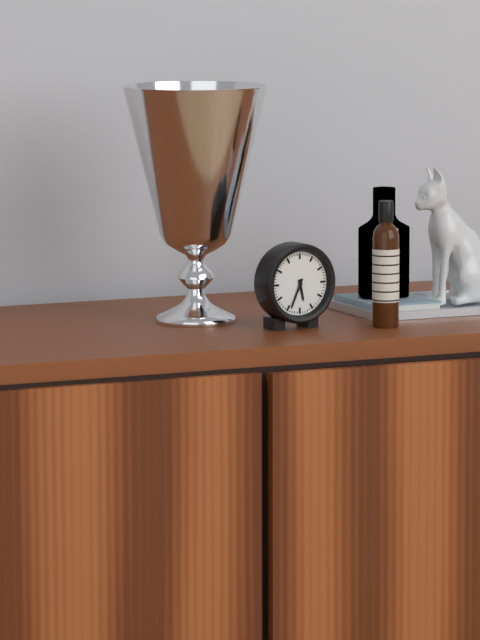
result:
5,34
